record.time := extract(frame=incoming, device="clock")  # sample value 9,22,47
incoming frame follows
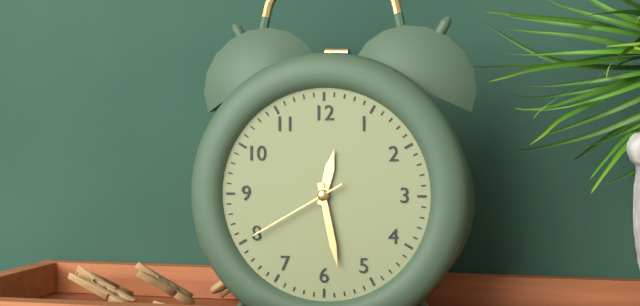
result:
12,28,40
